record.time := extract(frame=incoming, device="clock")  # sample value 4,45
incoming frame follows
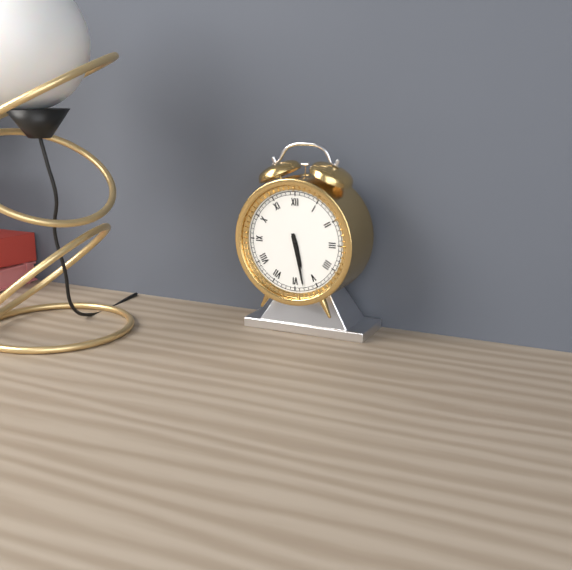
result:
5,28
